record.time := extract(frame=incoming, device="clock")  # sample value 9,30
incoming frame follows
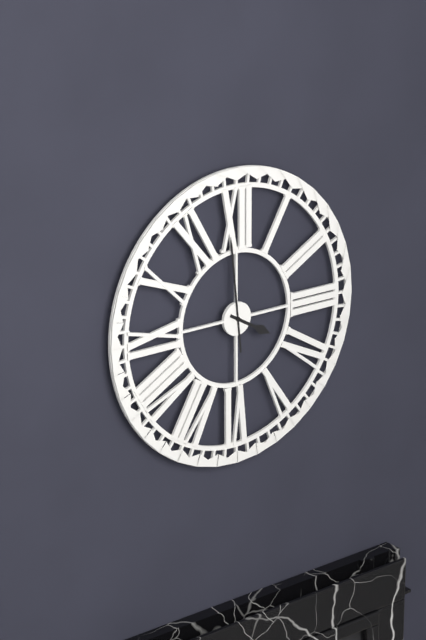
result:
3,59
